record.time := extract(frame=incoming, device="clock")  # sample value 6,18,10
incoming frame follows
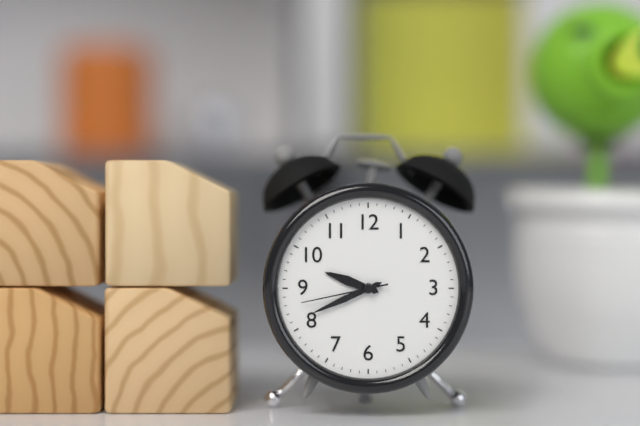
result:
9,41,43
